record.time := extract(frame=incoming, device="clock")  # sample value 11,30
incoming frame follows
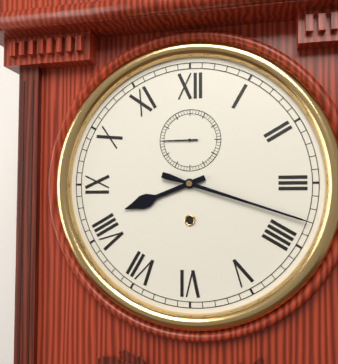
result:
8,18
